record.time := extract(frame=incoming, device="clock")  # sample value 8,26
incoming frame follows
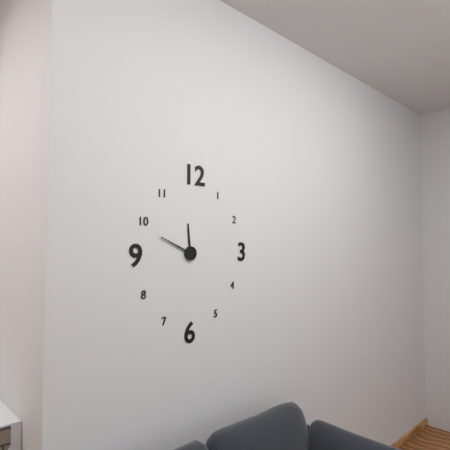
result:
11,49
